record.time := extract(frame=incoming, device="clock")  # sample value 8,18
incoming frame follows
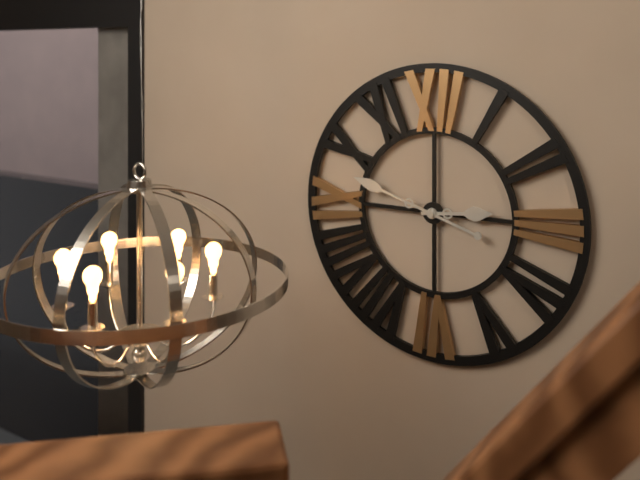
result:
2,48
